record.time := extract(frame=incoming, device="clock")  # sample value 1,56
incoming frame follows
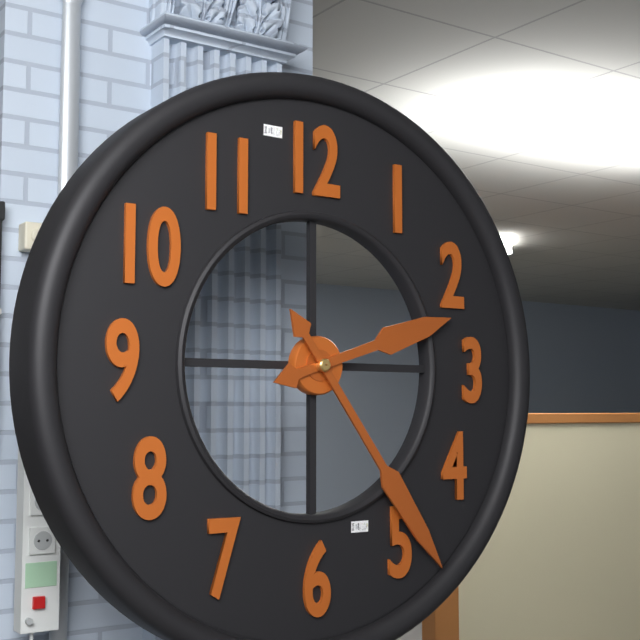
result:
2,24
